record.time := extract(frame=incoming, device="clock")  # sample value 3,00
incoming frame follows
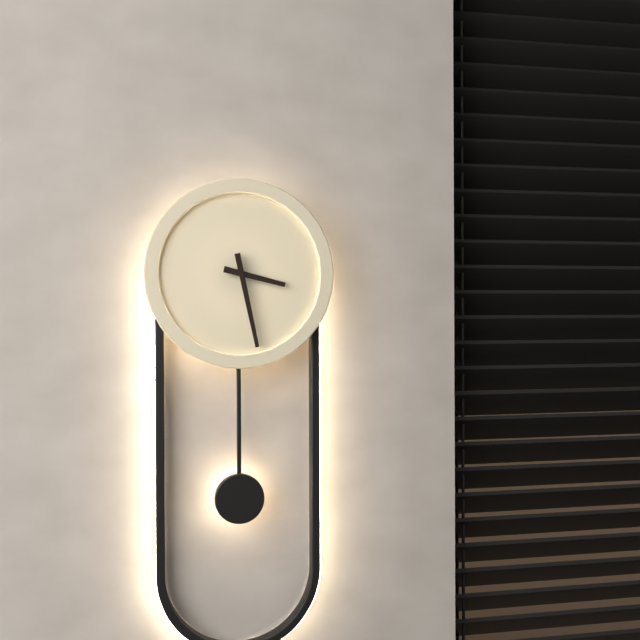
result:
3,28
